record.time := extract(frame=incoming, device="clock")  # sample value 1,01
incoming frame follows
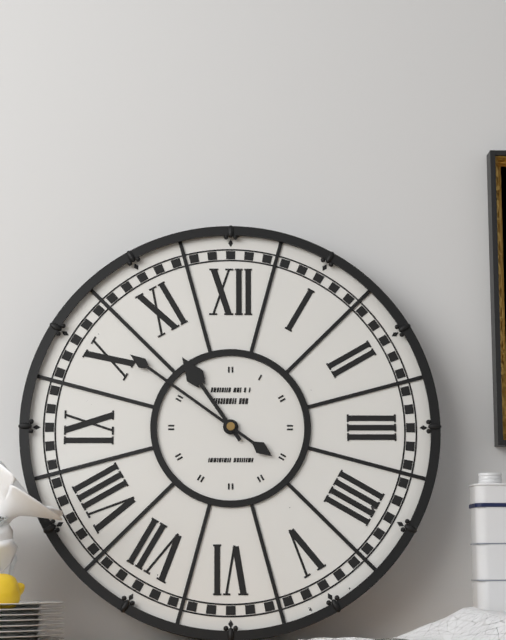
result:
10,51
